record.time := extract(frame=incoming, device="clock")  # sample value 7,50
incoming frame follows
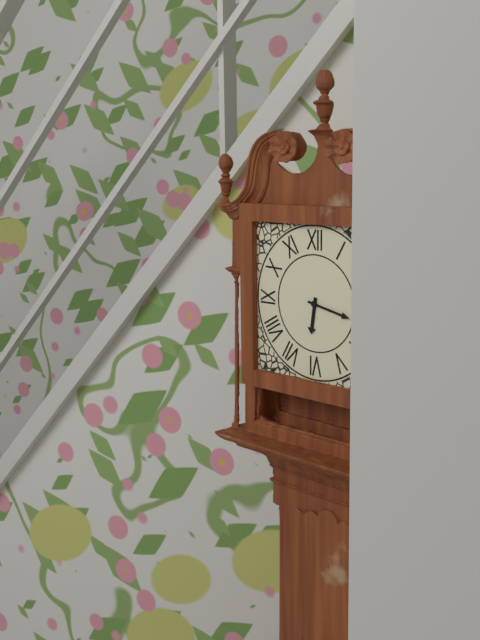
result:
6,17
